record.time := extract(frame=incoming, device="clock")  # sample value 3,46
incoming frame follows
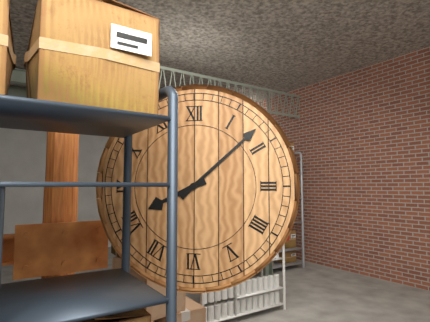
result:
8,08
